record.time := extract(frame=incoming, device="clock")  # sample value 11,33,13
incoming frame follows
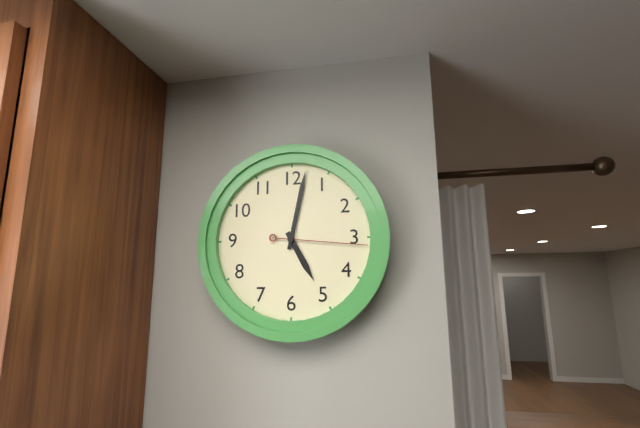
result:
5,02,16
